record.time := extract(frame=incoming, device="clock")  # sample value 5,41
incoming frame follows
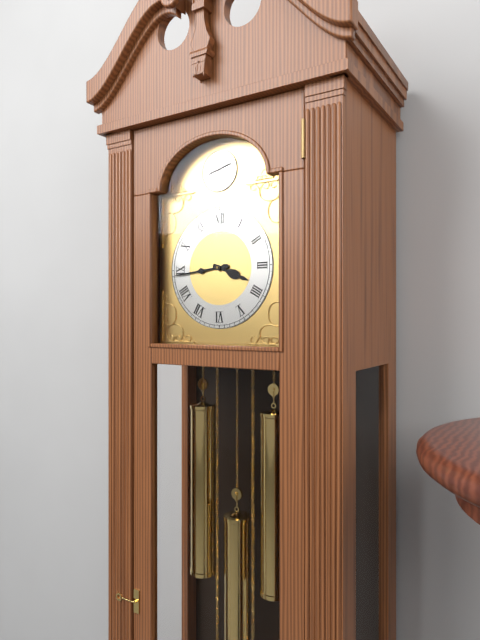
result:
3,44
